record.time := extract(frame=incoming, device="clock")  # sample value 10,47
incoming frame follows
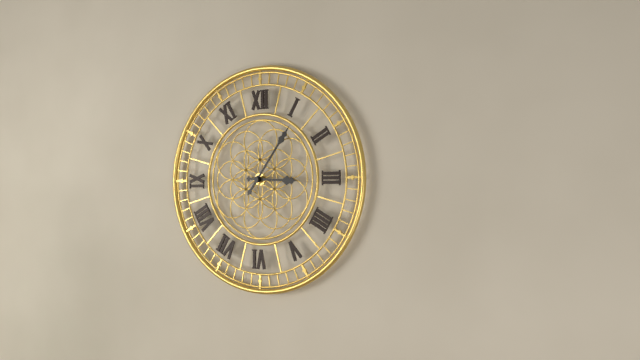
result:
3,06
